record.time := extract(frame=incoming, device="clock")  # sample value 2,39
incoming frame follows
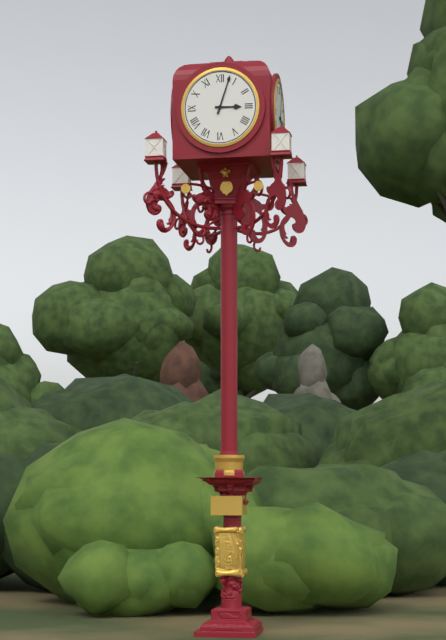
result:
3,03
